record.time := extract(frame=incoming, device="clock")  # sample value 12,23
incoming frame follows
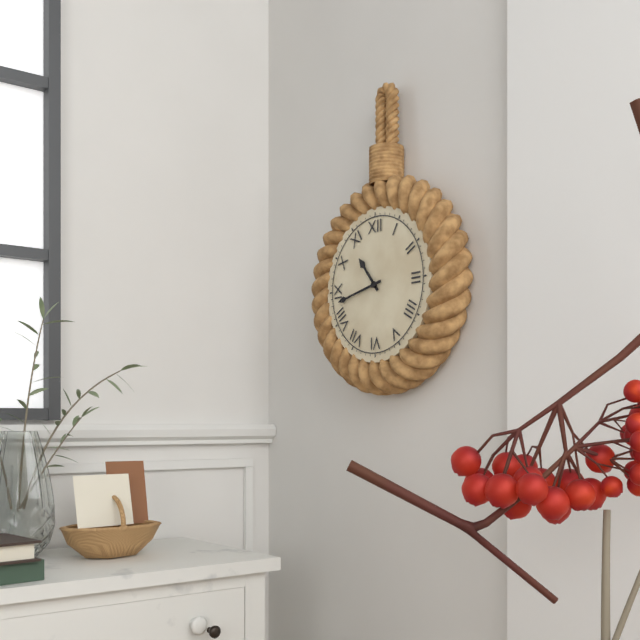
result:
10,43
